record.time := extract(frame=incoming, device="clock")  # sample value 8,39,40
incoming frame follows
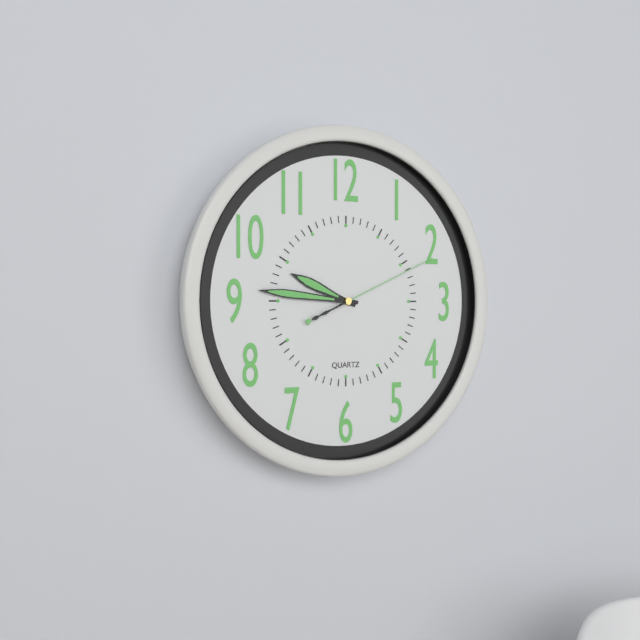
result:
9,46,11
